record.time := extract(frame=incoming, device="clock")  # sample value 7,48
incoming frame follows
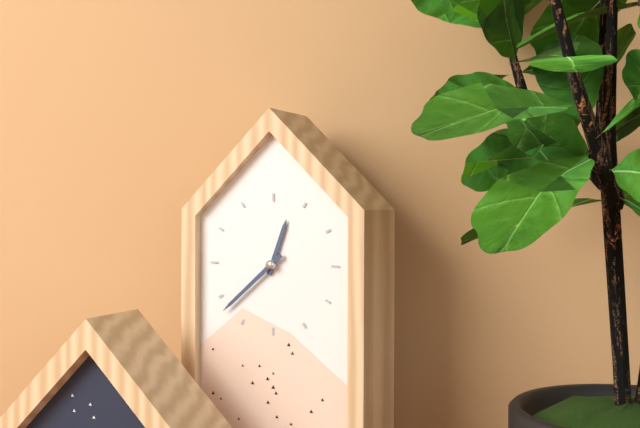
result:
12,38
